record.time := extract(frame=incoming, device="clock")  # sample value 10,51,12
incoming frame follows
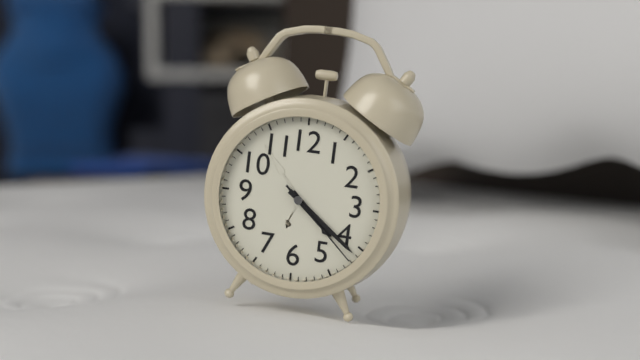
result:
4,21,22
